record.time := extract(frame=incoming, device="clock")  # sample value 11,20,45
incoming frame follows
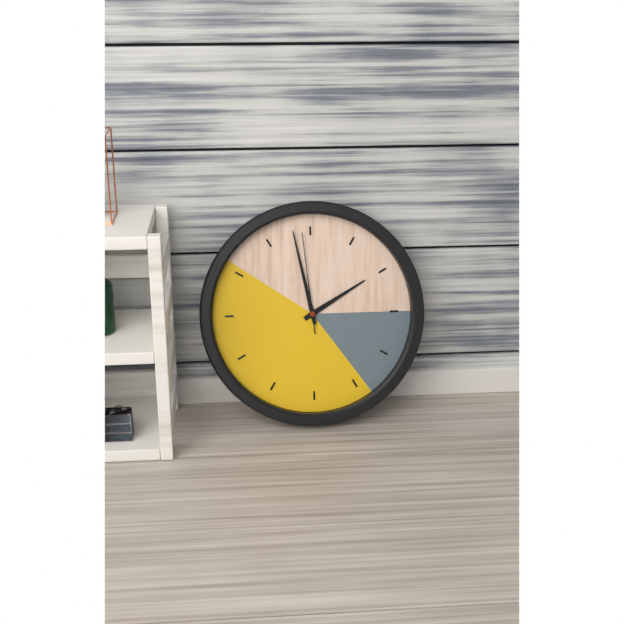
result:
1,58,59
